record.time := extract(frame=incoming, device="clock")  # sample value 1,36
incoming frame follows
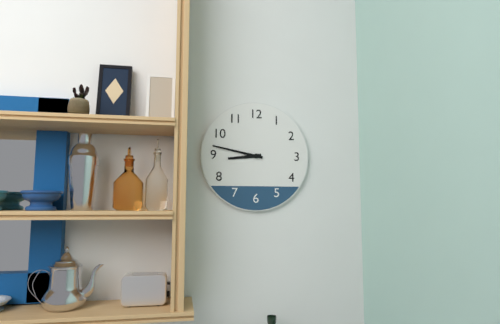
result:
8,47
